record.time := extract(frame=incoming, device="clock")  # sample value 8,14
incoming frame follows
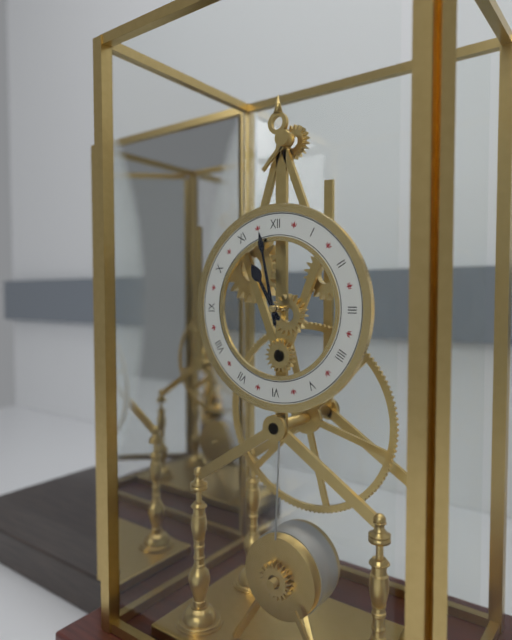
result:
10,58
